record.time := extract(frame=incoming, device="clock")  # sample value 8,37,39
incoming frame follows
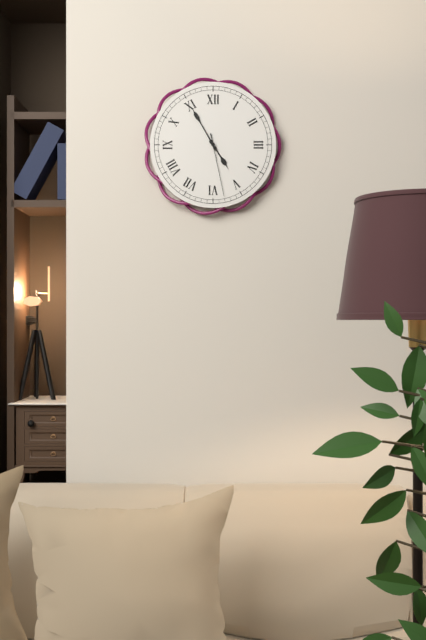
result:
4,55,28
